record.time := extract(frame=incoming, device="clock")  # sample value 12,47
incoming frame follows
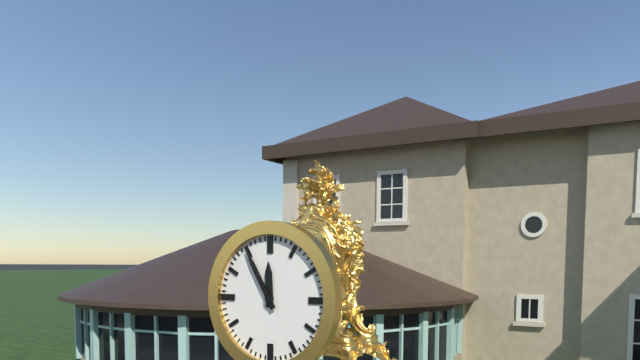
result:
11,55
